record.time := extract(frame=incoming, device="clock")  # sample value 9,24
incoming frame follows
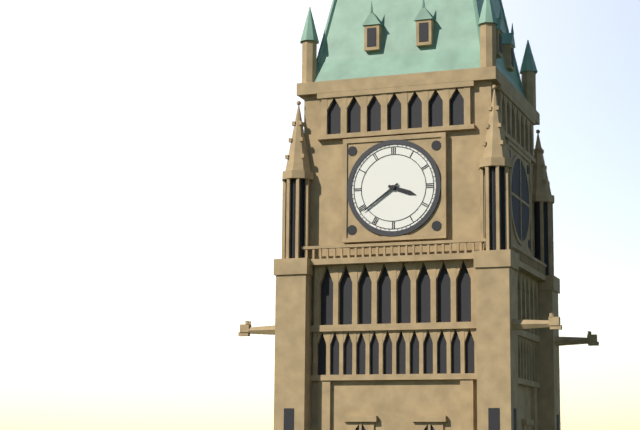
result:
3,39
